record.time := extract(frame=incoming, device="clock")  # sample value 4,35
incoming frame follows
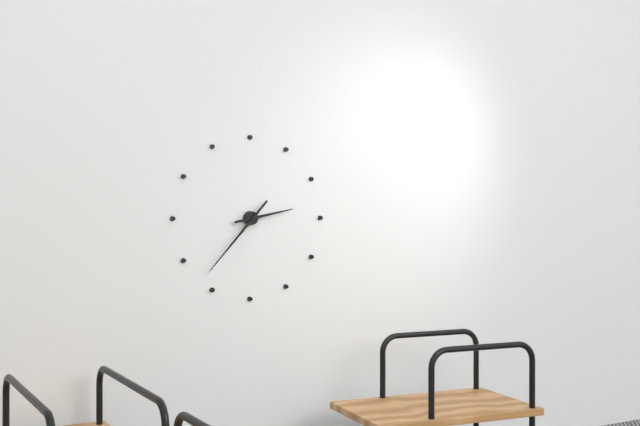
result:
2,37
